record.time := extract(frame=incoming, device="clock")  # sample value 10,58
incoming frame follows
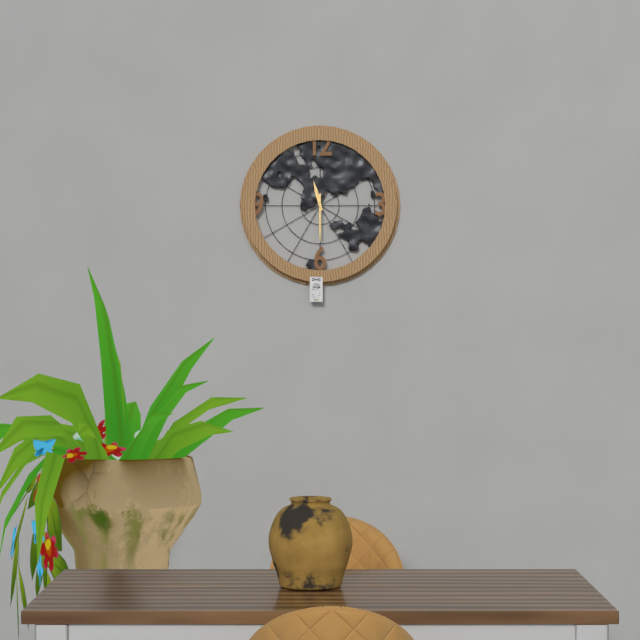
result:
11,30
